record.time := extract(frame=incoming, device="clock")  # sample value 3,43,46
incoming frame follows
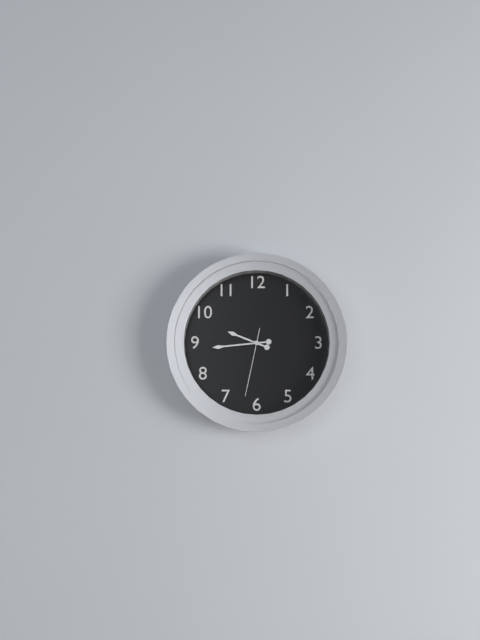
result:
9,44,32
